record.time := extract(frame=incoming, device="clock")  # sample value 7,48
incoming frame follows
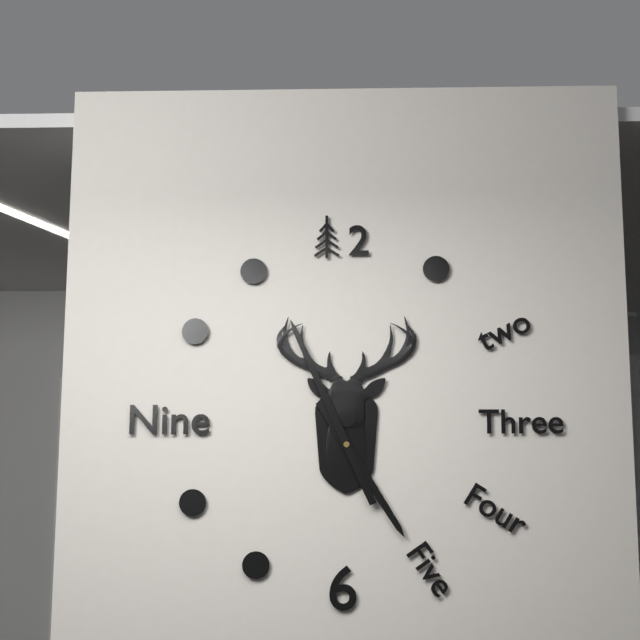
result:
4,56
